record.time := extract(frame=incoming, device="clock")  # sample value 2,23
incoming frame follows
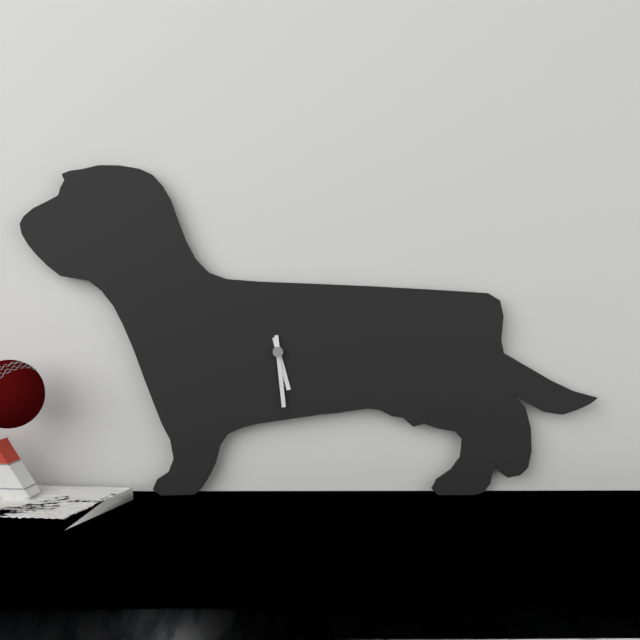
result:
5,29
